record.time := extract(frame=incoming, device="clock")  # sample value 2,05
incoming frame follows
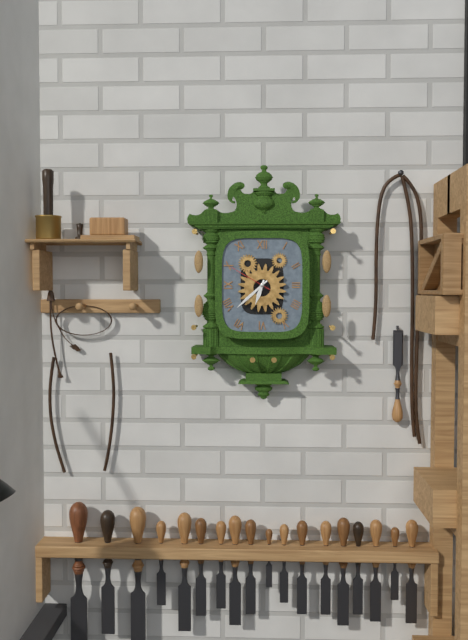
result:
6,38
